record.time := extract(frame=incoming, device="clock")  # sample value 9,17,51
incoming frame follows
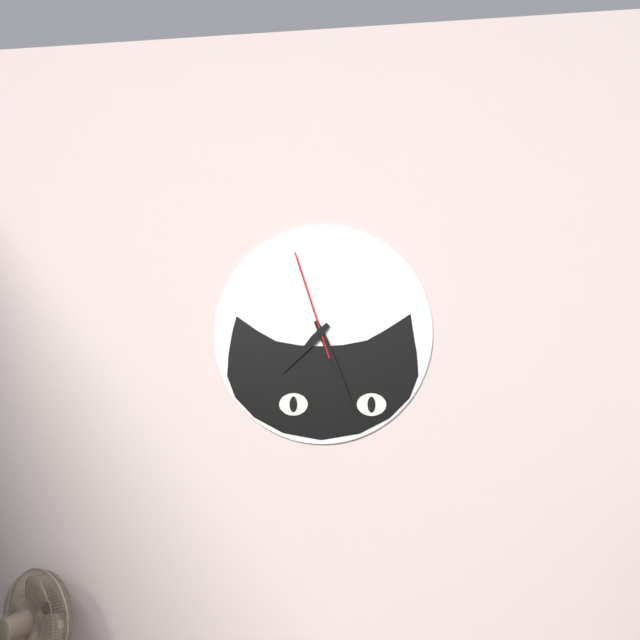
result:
7,26,57
